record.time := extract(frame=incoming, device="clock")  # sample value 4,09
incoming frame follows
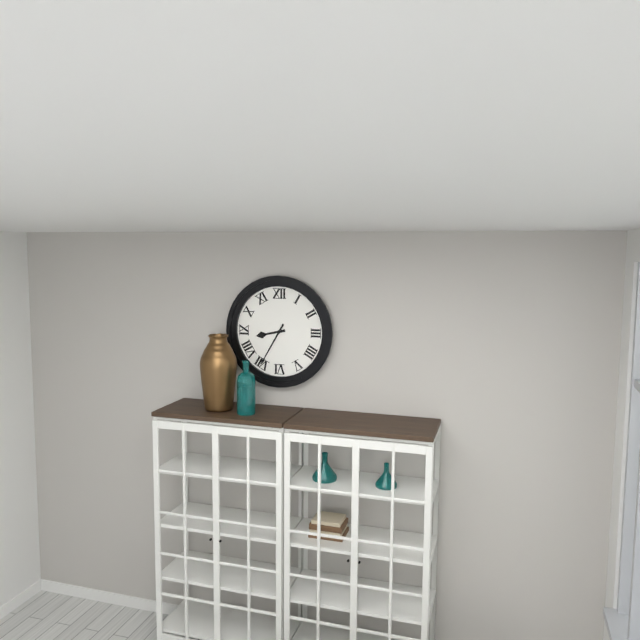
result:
8,35
